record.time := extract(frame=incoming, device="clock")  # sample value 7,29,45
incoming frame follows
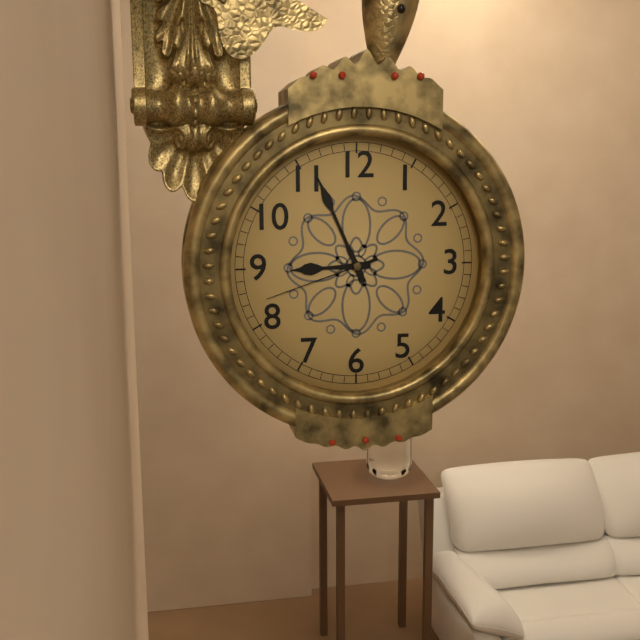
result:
8,56,42
